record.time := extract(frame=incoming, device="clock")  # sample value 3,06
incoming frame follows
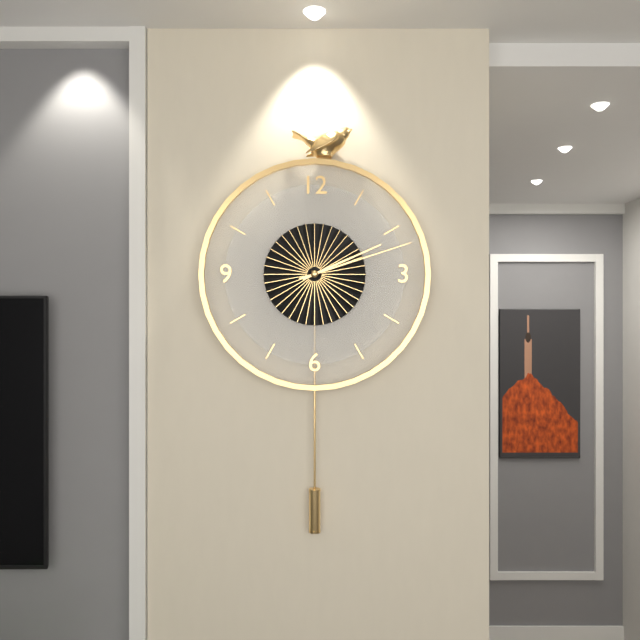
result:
2,12
